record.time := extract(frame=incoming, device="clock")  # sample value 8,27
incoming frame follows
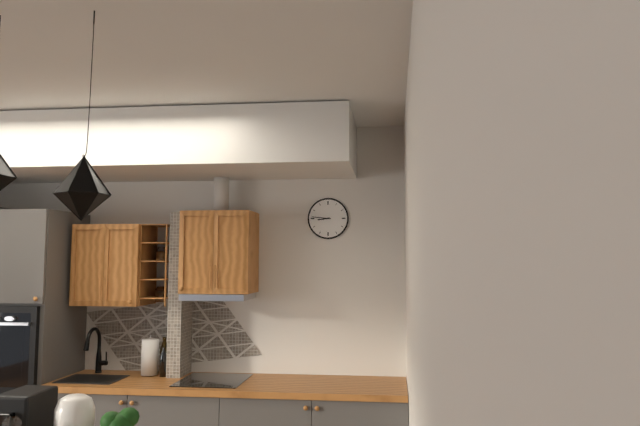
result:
8,46
